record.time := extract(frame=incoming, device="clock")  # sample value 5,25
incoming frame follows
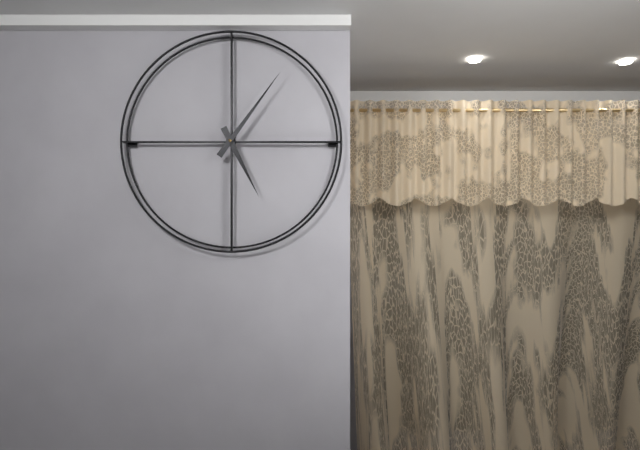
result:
5,06
